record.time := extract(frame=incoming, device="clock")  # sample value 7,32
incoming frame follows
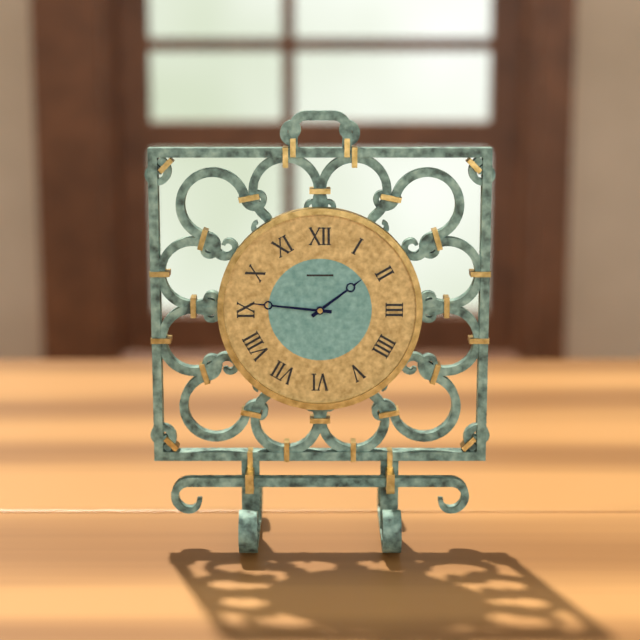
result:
1,46
